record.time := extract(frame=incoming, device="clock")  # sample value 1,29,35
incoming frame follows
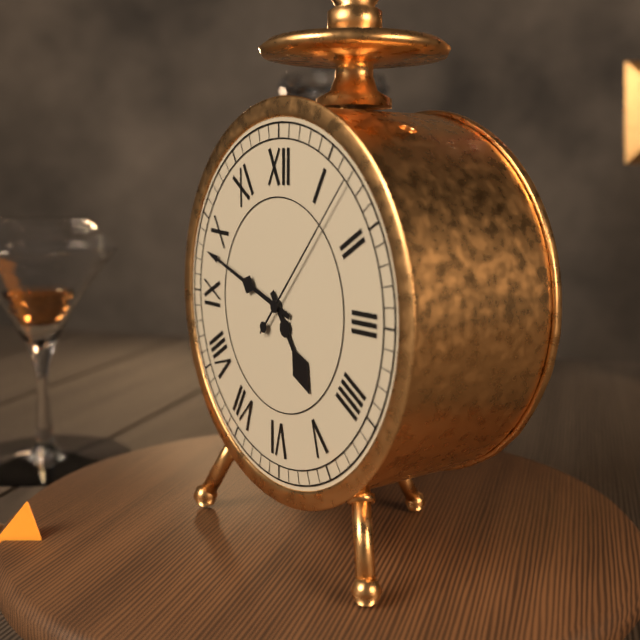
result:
4,48,07
